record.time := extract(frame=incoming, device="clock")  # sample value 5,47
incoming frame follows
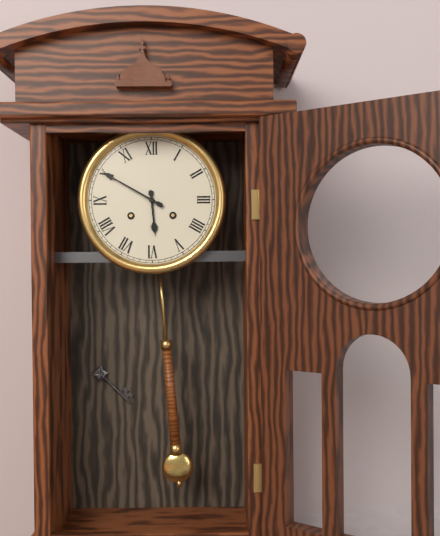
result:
5,50
